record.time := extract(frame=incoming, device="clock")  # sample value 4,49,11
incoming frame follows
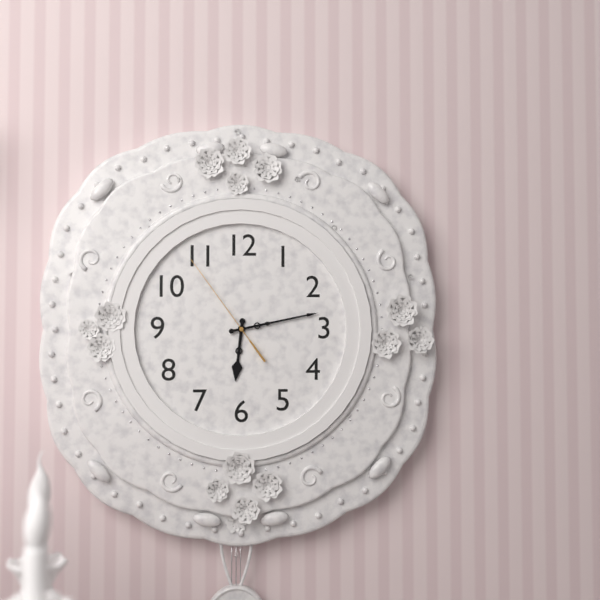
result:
6,13,54
